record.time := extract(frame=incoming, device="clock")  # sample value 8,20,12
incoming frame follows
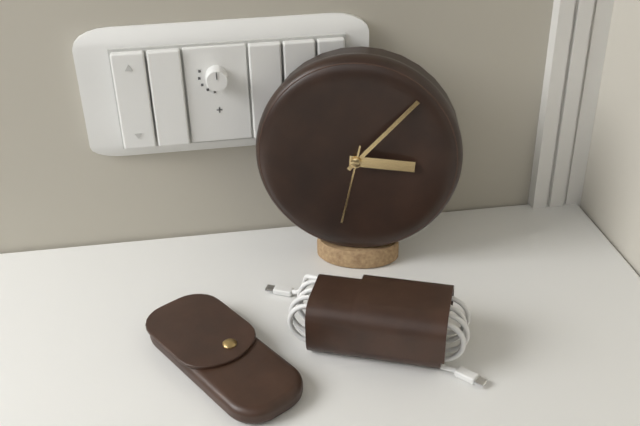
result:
3,07,32
